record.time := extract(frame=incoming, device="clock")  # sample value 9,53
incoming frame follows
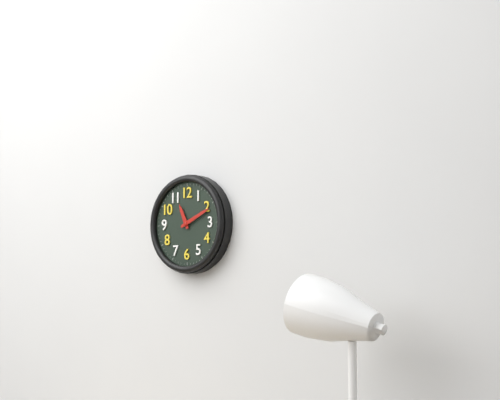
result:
11,11
